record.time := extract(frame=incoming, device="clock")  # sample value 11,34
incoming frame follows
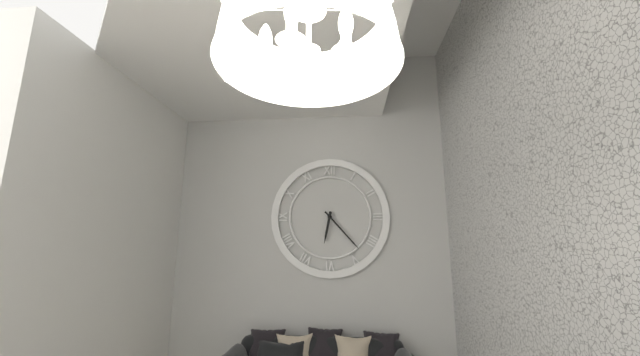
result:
6,23
